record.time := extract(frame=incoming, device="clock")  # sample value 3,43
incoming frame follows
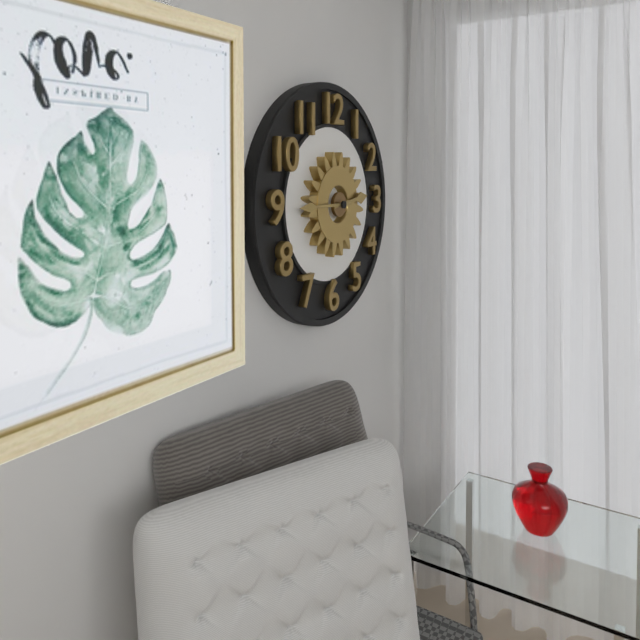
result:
2,45
